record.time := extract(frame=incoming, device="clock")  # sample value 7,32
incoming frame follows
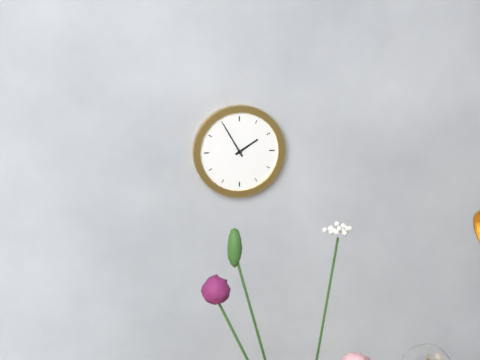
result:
1,55
